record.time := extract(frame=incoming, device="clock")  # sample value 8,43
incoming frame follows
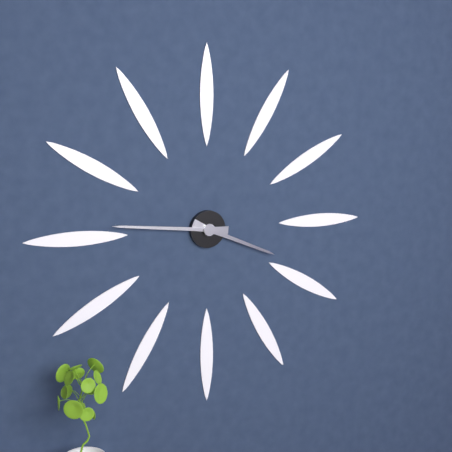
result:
3,46
